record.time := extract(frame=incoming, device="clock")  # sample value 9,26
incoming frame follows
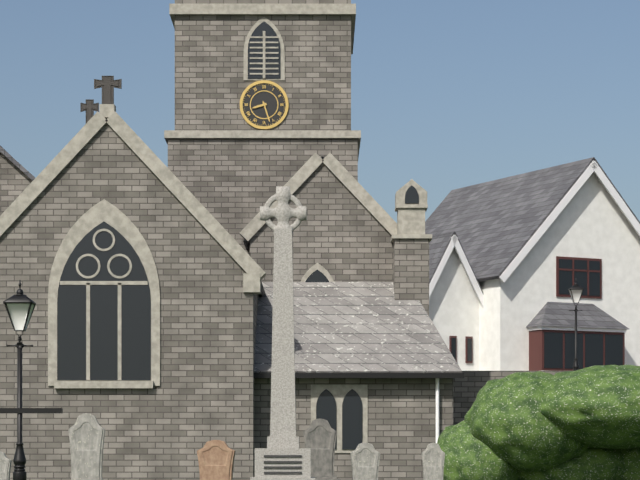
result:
8,27
